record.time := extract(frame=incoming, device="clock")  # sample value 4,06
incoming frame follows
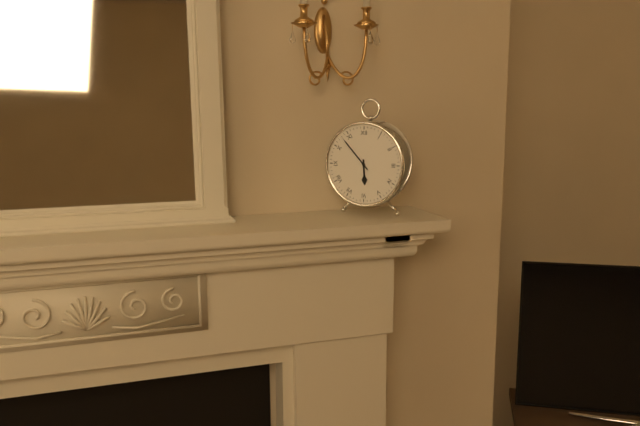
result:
5,53
